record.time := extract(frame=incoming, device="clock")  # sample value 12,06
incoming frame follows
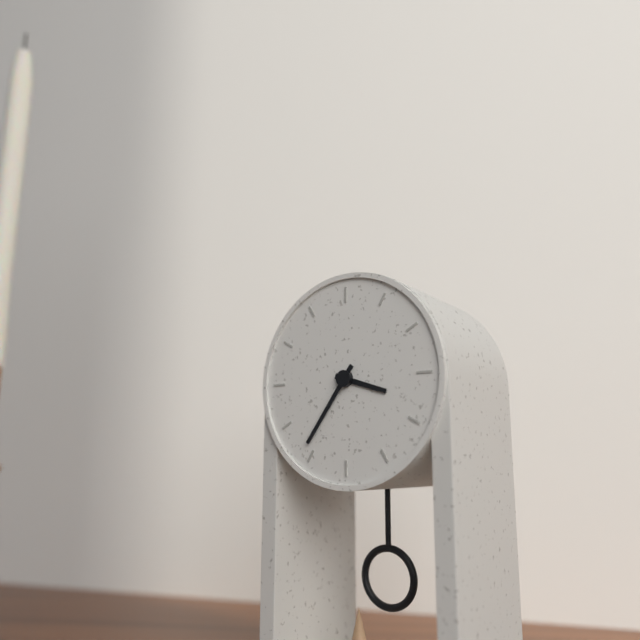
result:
3,36
